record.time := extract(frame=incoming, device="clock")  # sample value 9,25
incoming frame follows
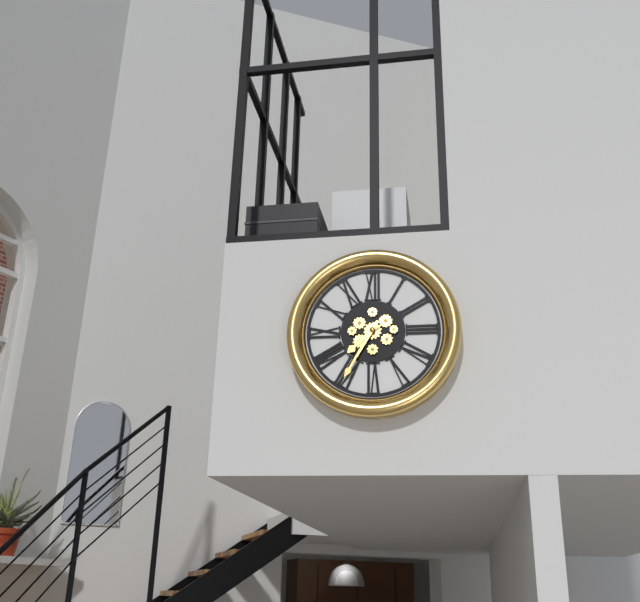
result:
7,35
